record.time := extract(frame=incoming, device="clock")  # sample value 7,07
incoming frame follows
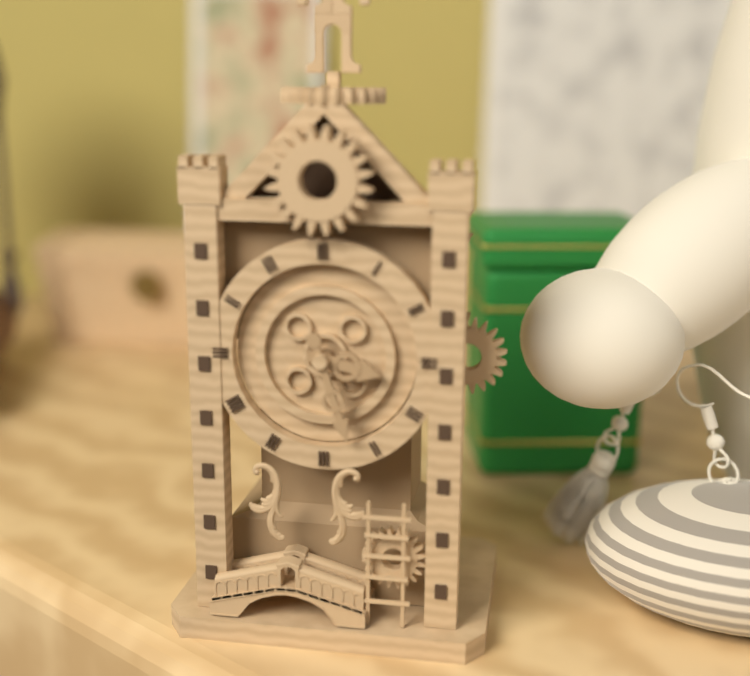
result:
3,27
